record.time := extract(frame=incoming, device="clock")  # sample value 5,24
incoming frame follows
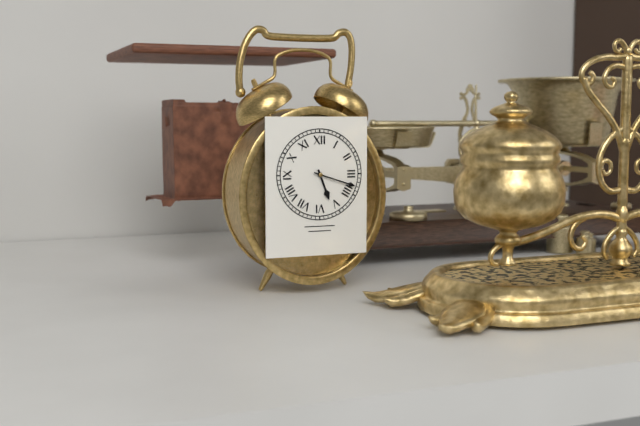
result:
5,18
